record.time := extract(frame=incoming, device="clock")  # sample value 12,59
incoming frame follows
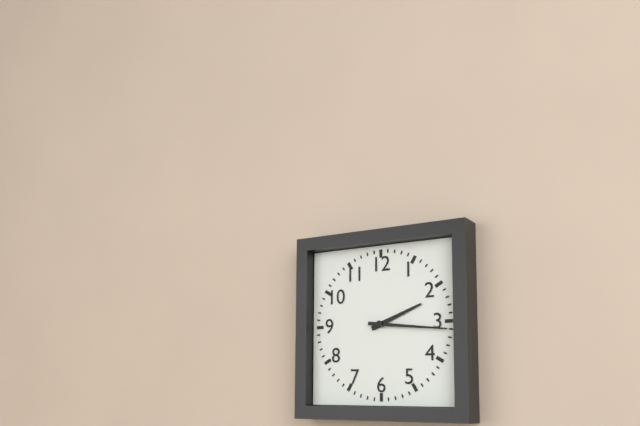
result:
2,16
